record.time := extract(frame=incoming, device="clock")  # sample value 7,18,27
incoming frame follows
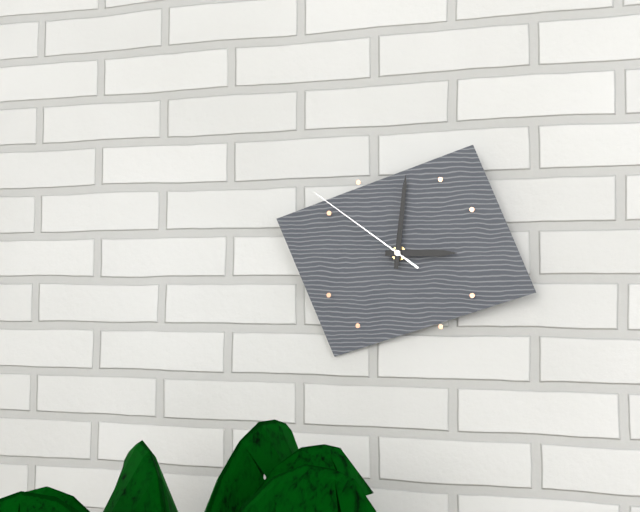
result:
3,01,51
